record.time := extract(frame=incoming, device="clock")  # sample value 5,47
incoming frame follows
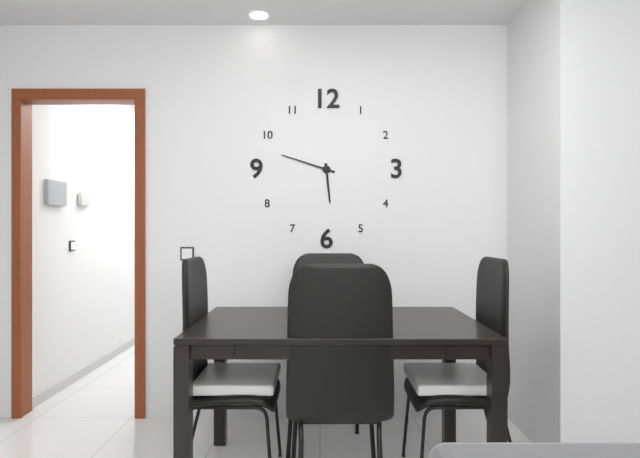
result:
5,48
